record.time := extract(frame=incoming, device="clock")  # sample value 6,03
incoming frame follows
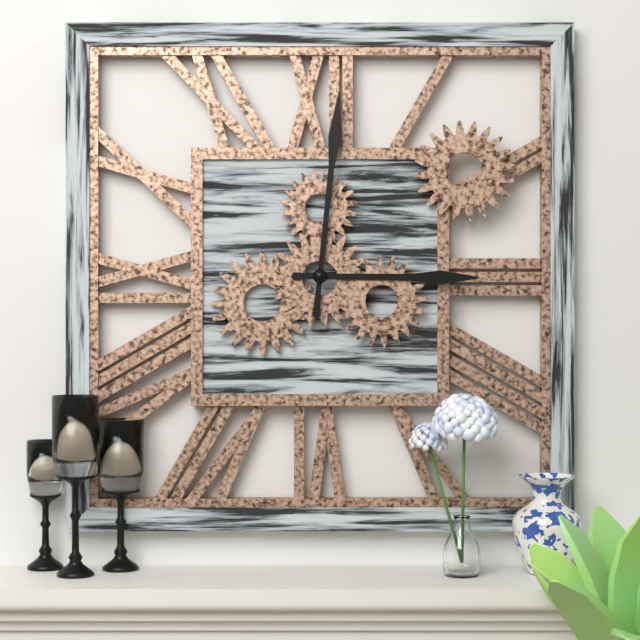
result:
3,01
